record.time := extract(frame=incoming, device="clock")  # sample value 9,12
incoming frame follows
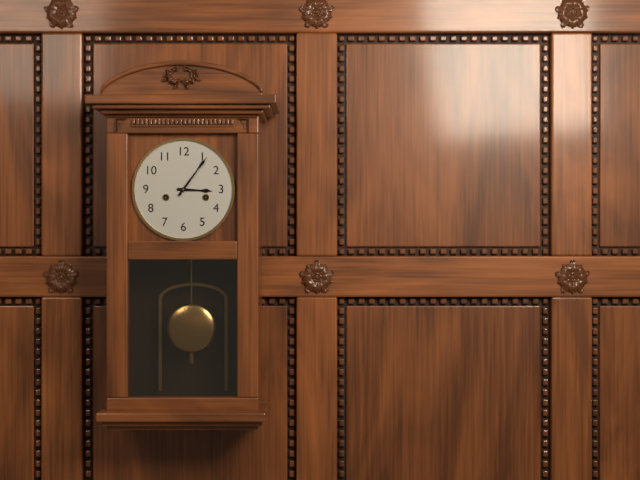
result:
3,06
